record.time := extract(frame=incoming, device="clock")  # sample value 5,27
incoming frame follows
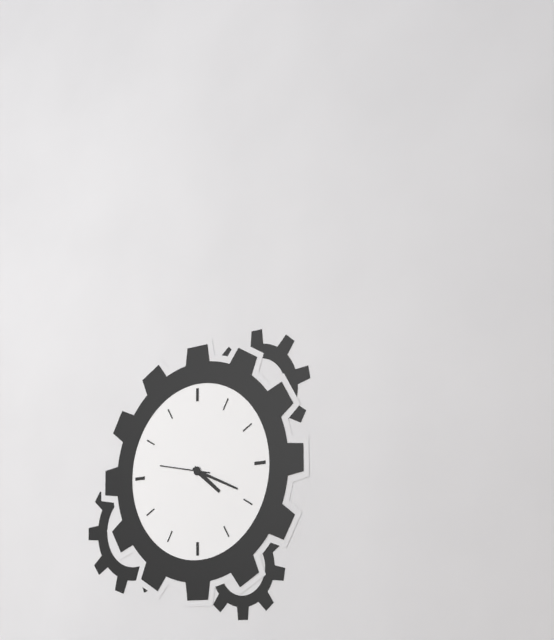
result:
4,19
